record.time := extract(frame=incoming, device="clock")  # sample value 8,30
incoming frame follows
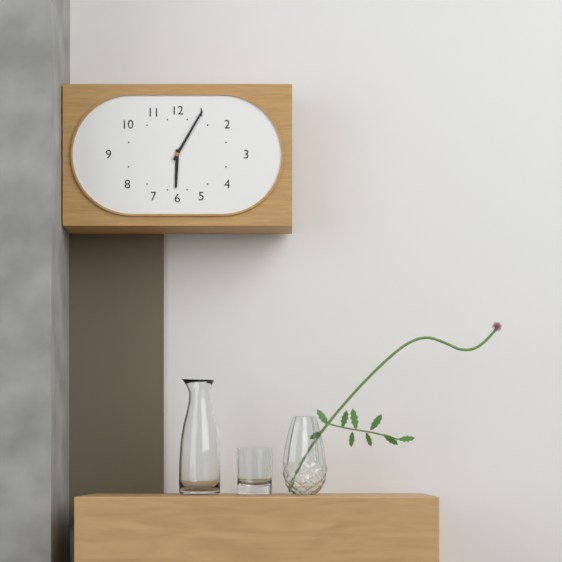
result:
6,05
